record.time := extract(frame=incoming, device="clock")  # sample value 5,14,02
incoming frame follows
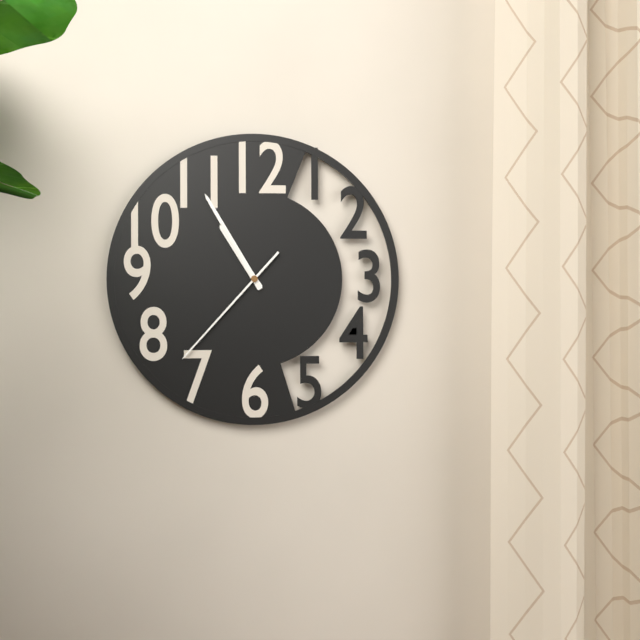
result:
10,55,37
